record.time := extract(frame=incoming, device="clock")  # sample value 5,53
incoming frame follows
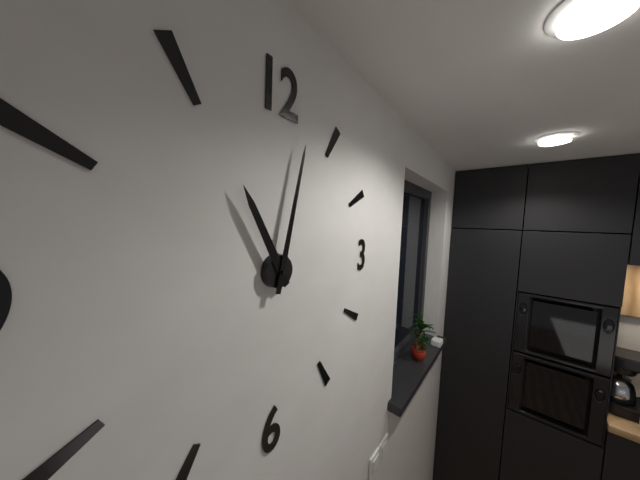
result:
11,02
